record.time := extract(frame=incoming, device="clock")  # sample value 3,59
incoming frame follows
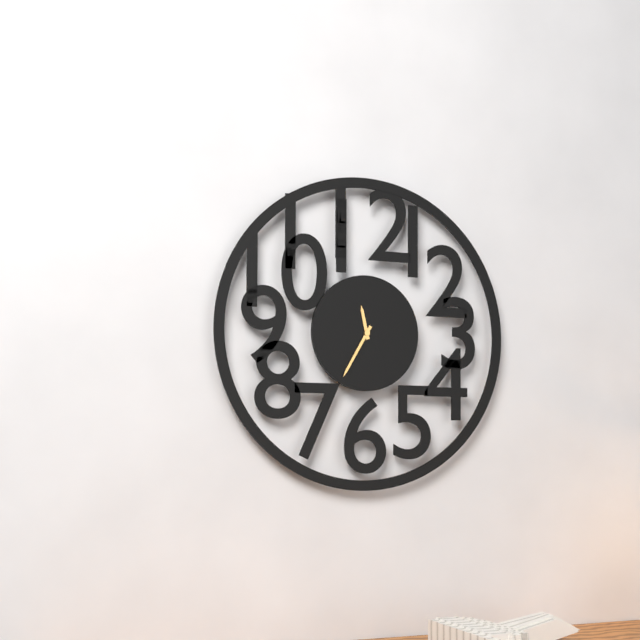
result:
11,35
